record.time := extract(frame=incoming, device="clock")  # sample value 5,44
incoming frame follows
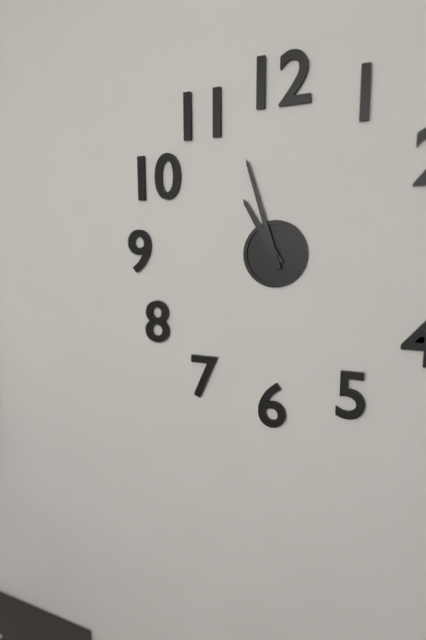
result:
10,57
